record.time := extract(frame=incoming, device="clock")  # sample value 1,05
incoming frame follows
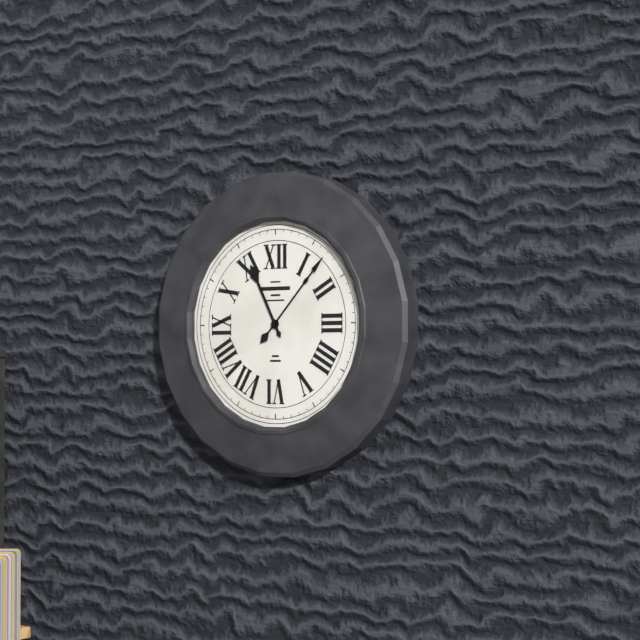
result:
11,07
